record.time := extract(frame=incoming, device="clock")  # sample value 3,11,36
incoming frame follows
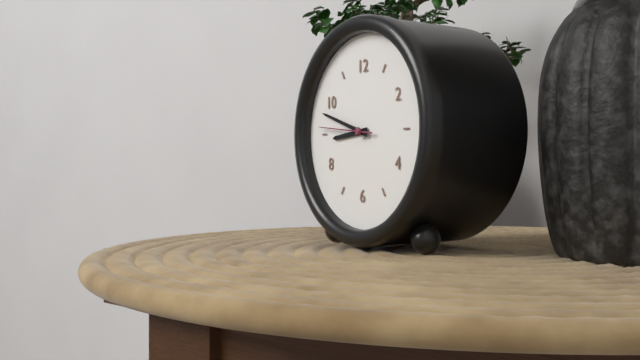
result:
8,48,46
